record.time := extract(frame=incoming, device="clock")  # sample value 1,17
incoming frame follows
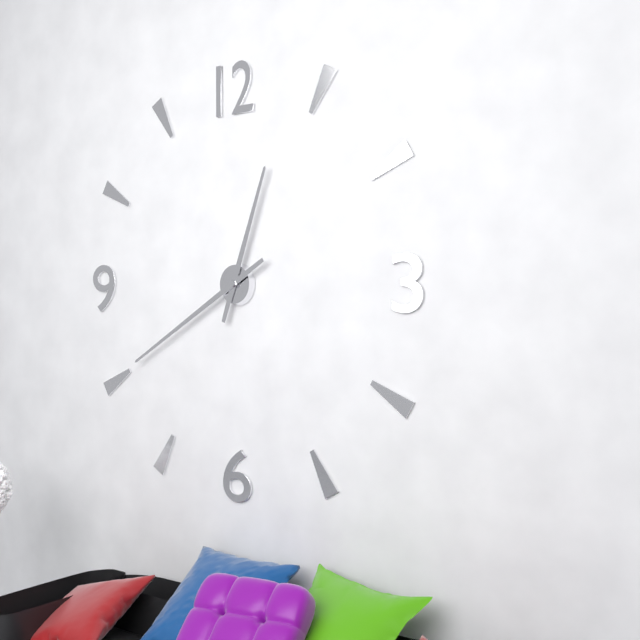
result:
12,40
